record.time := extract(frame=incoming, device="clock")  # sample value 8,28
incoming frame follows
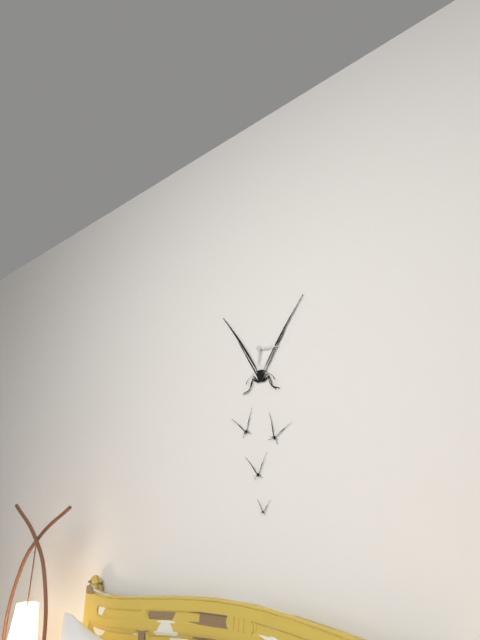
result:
6,16
